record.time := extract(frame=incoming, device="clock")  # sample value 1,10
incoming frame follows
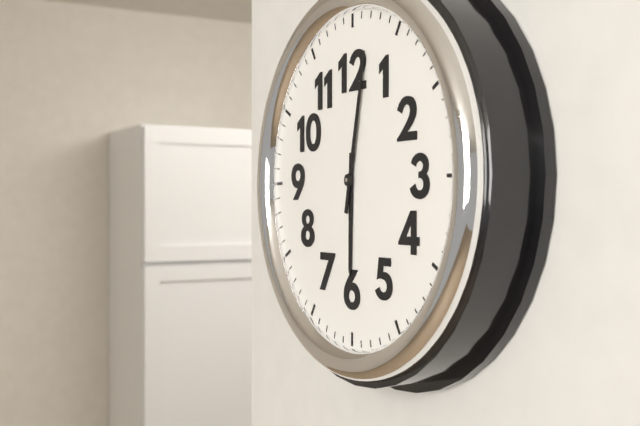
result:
6,02
